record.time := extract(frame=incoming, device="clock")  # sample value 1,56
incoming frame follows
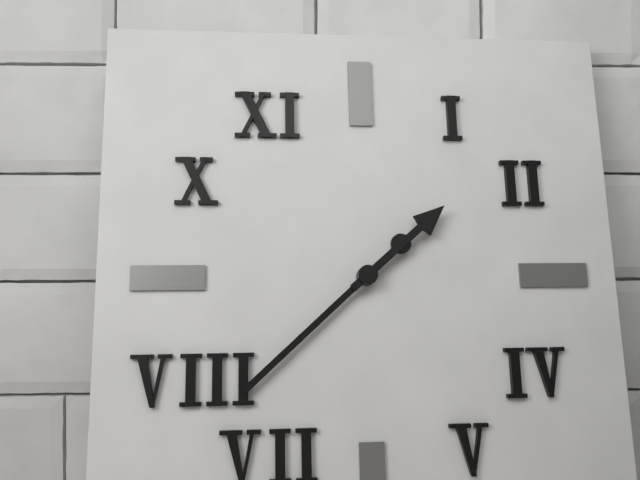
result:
1,38
